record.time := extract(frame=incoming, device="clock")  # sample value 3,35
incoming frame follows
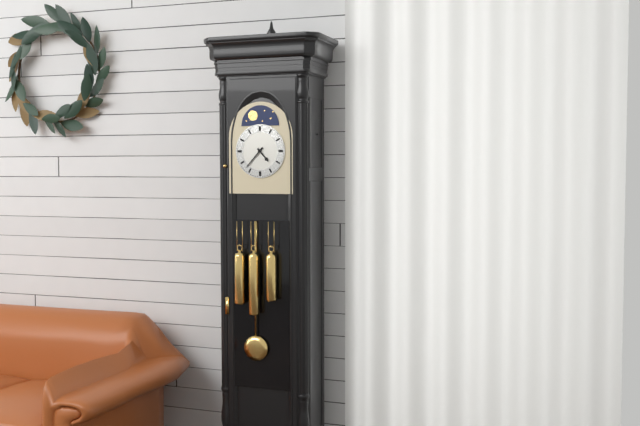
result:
4,37
